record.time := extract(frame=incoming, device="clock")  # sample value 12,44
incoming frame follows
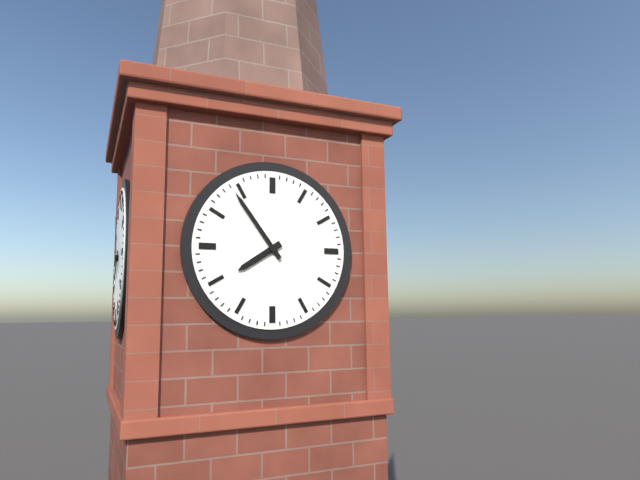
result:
7,54
